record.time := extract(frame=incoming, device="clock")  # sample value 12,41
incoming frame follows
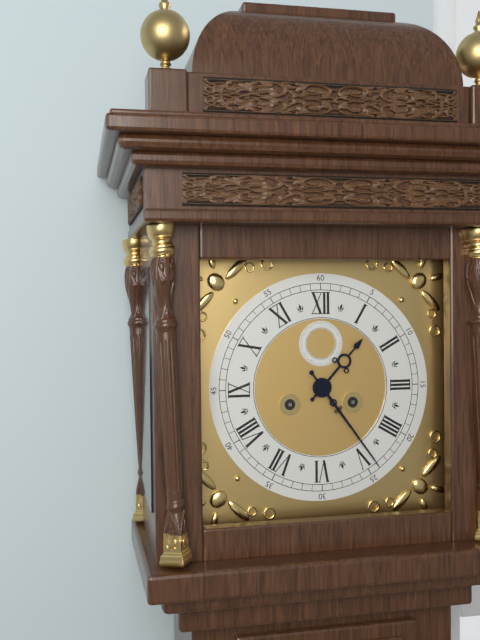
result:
1,24
